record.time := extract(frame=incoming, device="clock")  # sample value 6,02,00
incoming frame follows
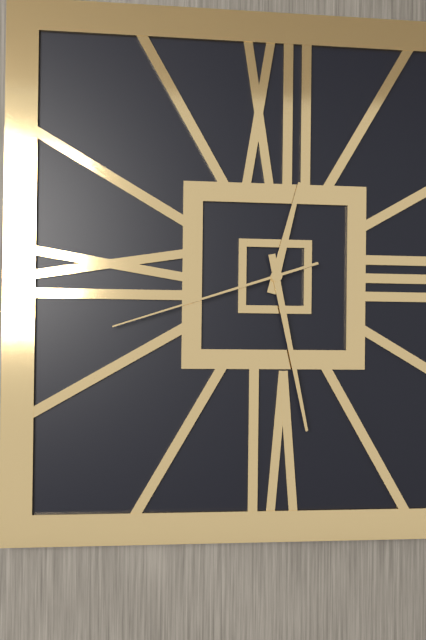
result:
12,28,42
